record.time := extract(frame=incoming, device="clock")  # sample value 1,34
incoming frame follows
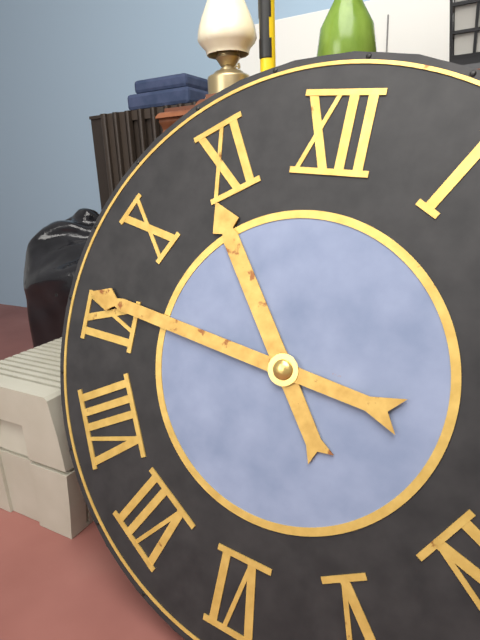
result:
10,46
